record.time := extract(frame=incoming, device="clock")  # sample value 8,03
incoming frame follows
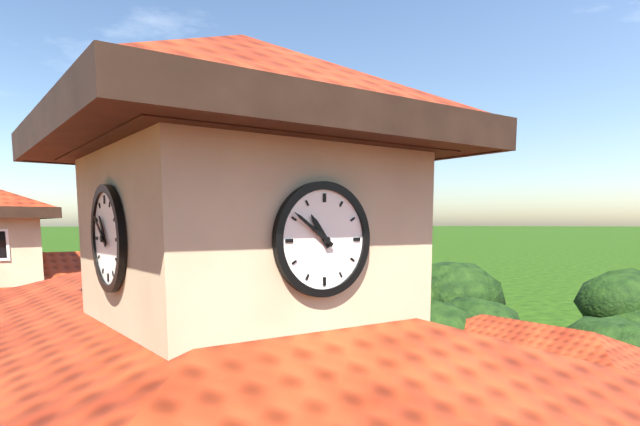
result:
10,51
